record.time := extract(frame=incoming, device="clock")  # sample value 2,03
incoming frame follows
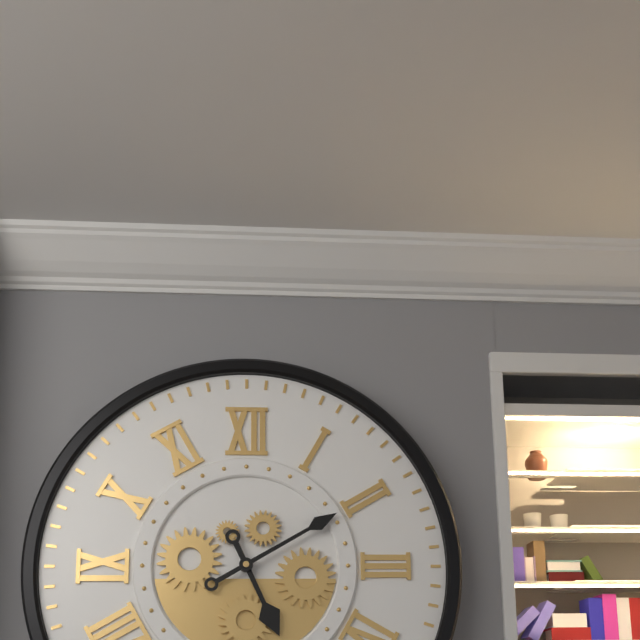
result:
5,10
